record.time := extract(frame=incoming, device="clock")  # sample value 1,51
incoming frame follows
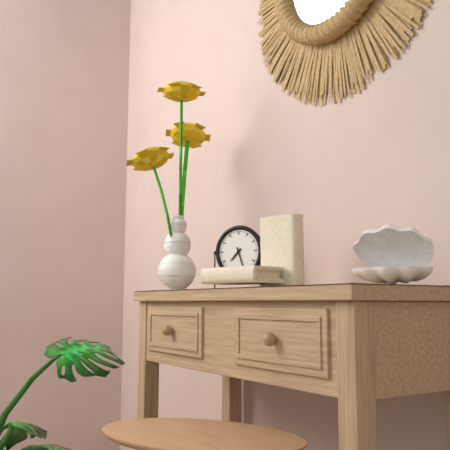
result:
7,27
